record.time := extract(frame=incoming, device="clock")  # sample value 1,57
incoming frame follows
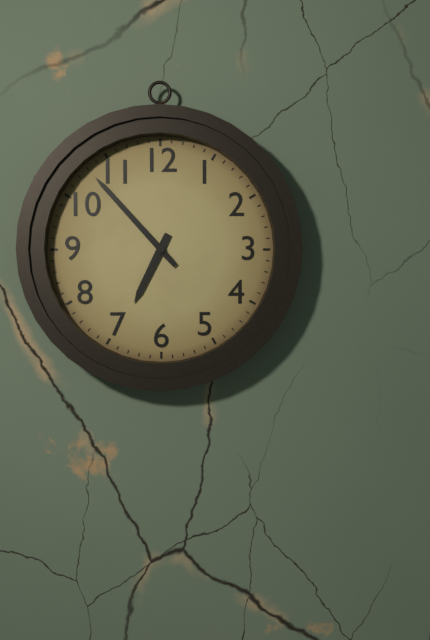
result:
6,53
